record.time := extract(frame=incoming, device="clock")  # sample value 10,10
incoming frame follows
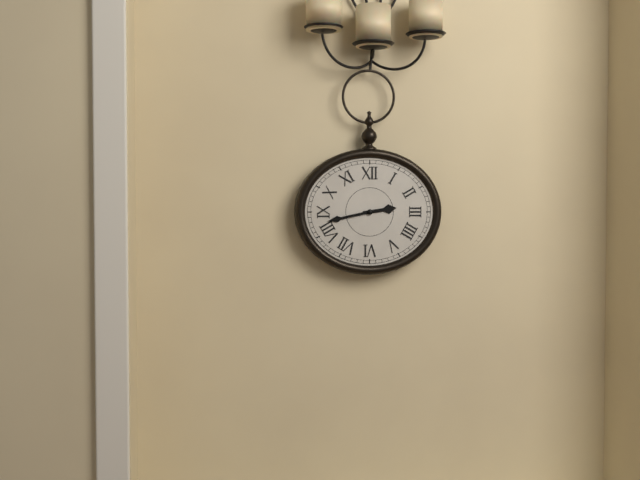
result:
2,43
